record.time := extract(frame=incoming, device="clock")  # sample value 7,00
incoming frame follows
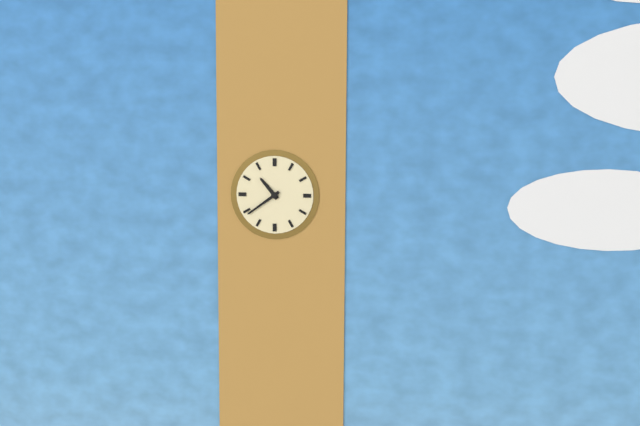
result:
10,39
